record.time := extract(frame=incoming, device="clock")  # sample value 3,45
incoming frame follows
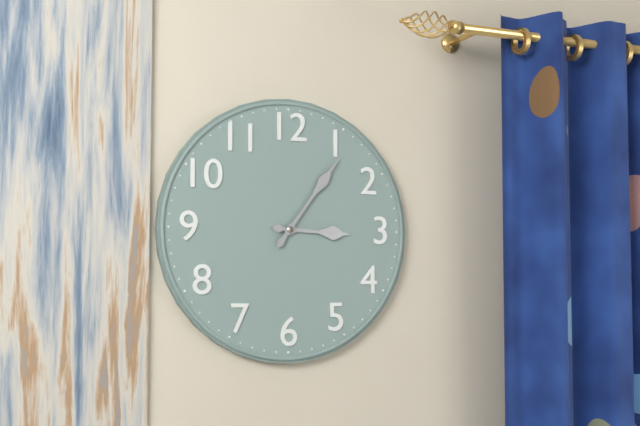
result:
3,06
